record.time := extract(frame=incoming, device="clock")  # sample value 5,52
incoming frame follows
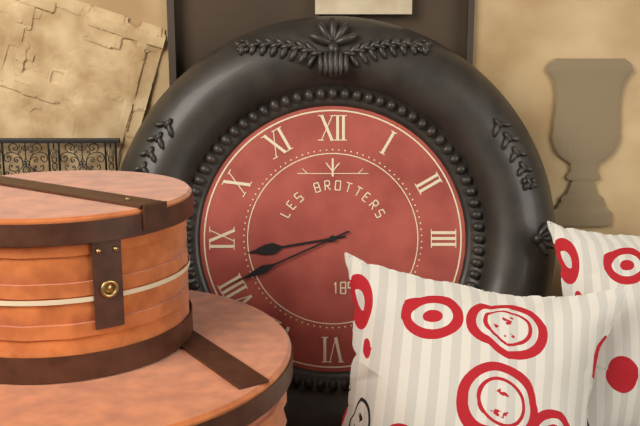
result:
8,41
